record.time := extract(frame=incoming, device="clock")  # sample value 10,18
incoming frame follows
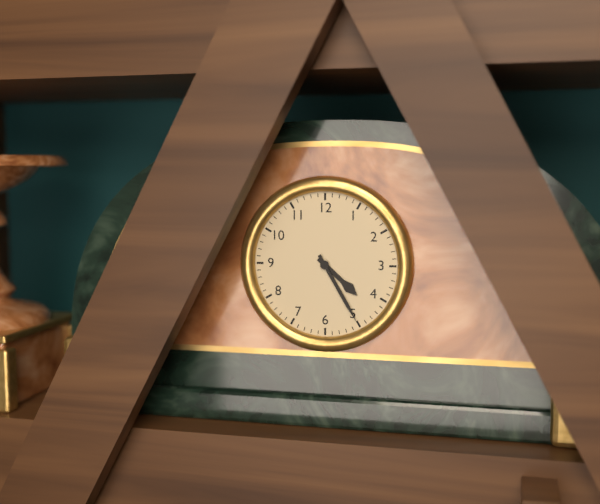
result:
4,25
